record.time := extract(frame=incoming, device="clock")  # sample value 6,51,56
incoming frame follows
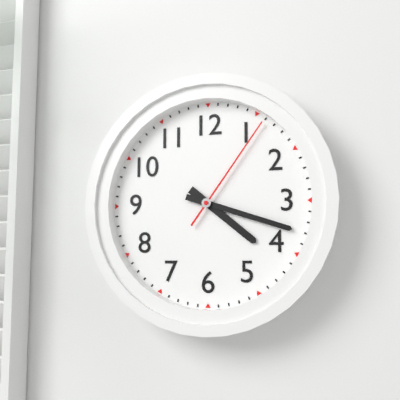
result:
4,18,06
